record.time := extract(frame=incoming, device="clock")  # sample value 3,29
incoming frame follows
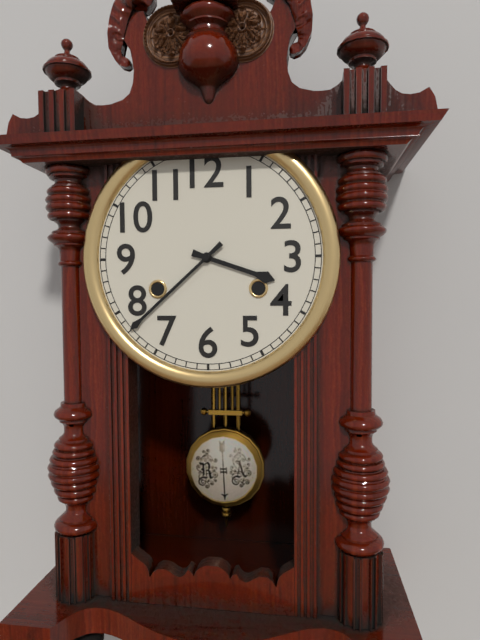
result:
3,38
